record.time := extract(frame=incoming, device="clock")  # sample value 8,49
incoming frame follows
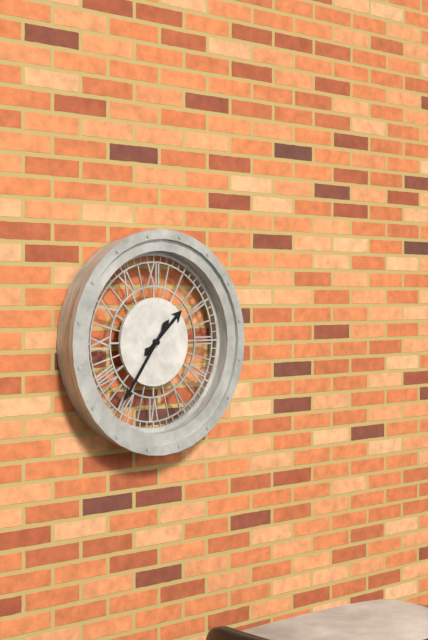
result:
1,36
